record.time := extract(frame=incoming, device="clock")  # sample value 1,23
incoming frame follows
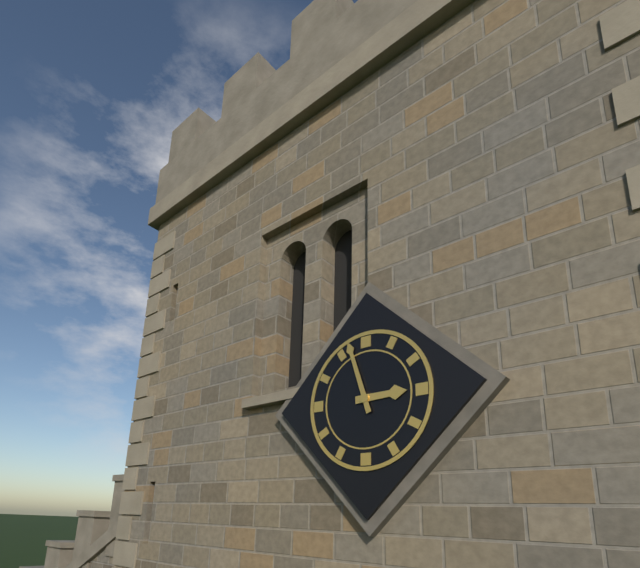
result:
2,57
